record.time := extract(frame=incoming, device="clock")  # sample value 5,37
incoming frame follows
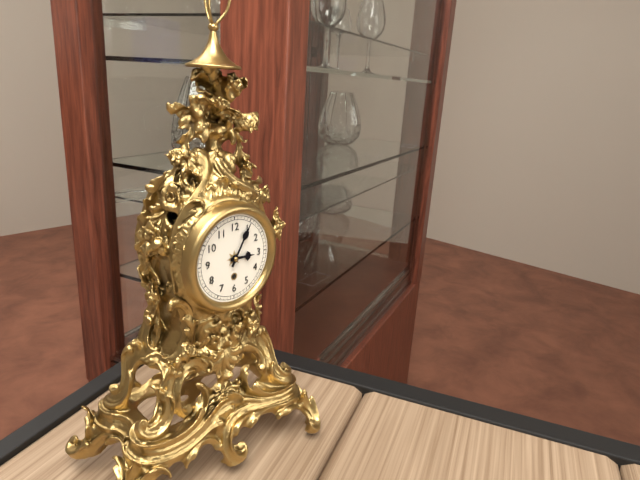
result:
3,05
